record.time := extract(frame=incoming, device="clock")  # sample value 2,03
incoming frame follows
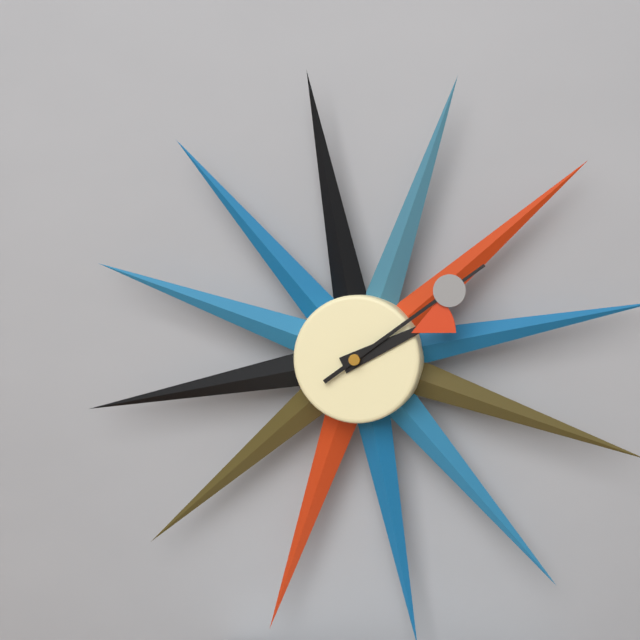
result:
2,09
